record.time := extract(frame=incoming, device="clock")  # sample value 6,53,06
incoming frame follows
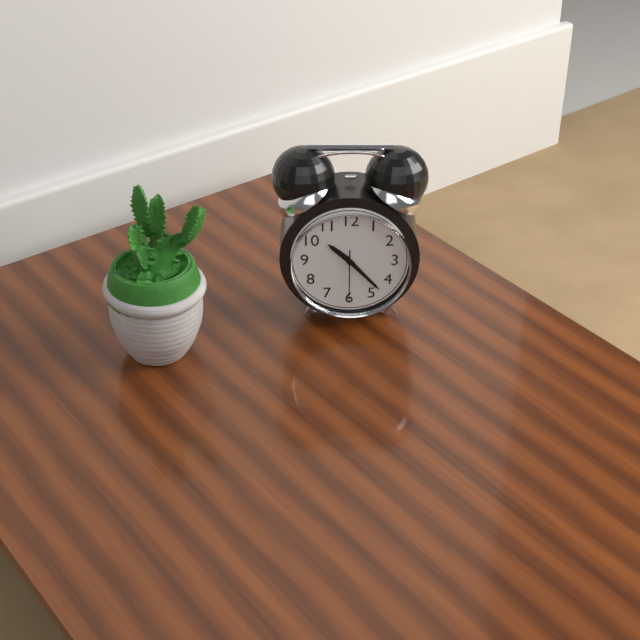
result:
10,23,30
